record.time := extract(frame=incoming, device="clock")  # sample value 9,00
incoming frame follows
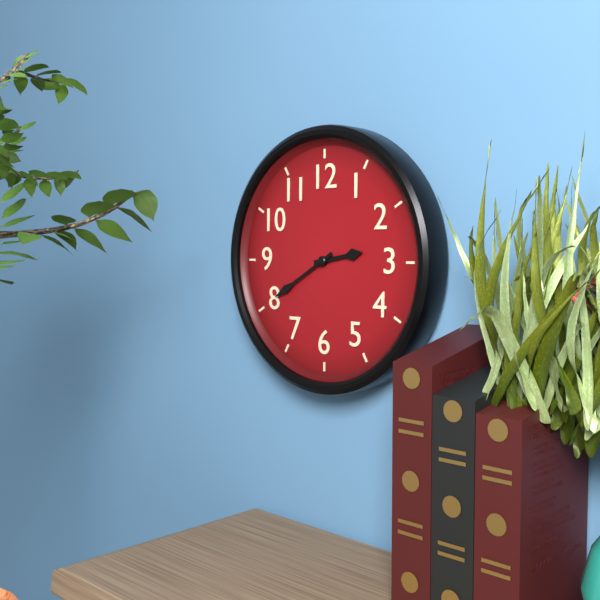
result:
2,40
